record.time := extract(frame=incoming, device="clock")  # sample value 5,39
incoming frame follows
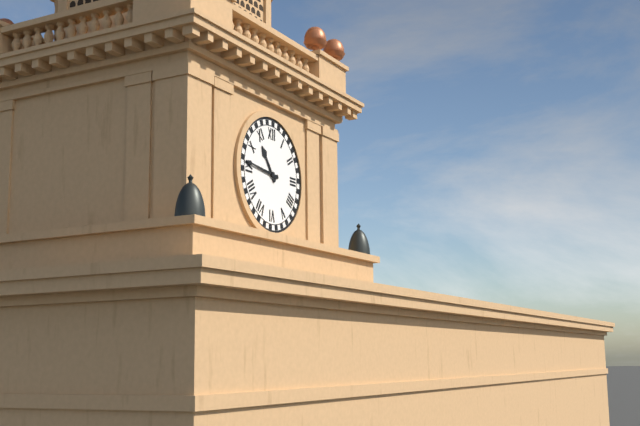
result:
10,46
